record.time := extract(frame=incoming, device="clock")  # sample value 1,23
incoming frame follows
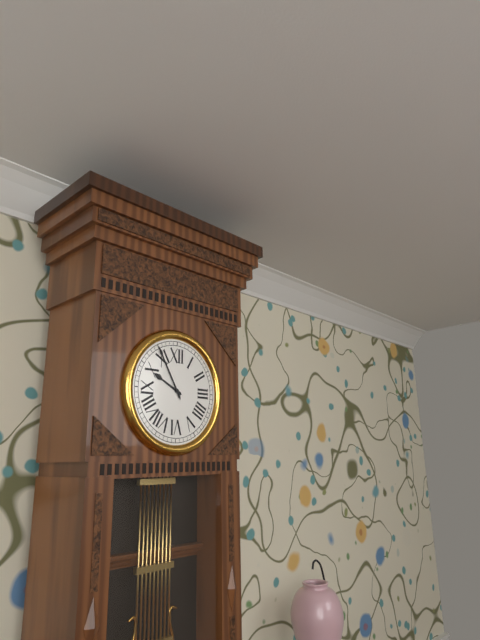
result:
9,55
